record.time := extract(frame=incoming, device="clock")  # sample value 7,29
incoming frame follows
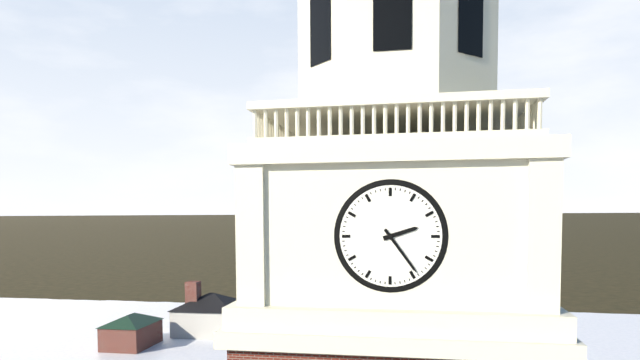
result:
2,24
